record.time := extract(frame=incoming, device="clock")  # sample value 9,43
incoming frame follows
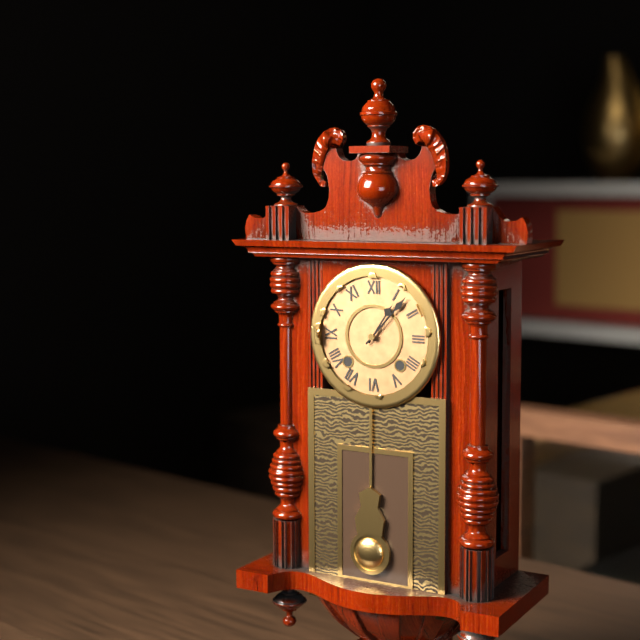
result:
1,07
